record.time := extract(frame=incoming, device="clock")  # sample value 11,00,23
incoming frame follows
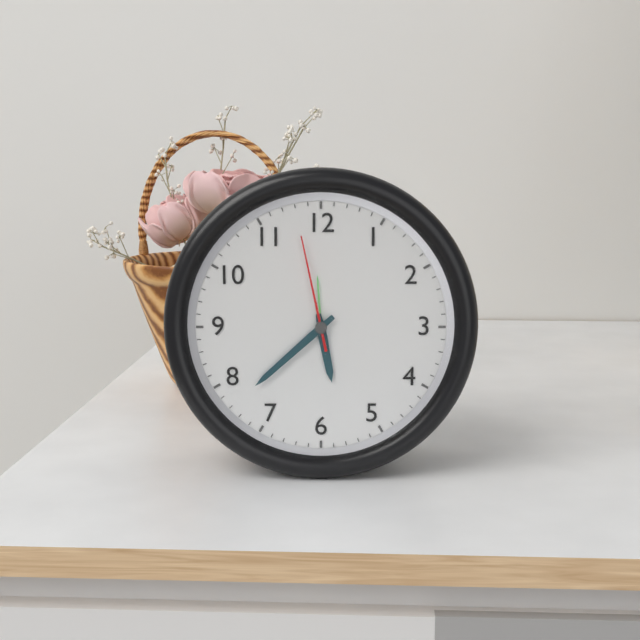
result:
5,38,58
